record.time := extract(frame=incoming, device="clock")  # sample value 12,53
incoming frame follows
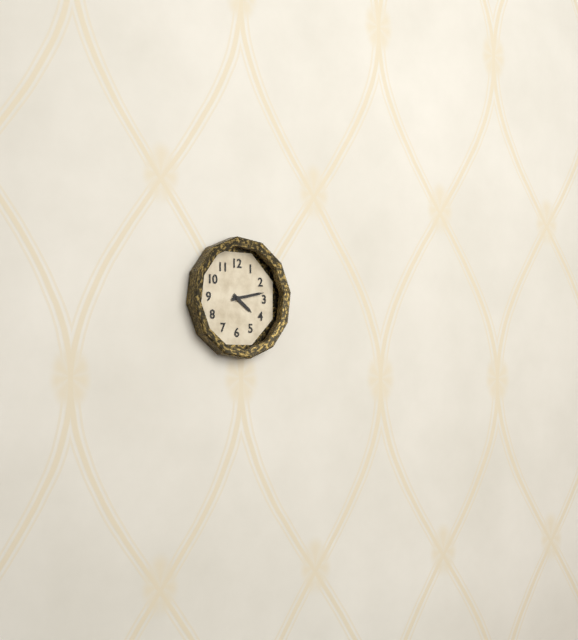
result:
4,13
